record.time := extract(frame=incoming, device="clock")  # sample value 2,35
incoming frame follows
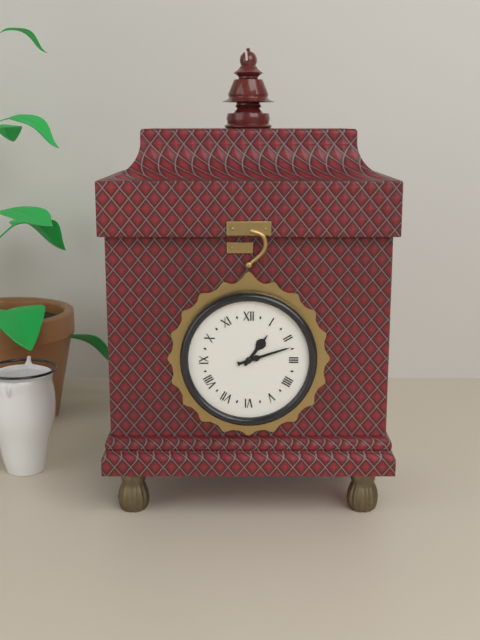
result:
1,12
